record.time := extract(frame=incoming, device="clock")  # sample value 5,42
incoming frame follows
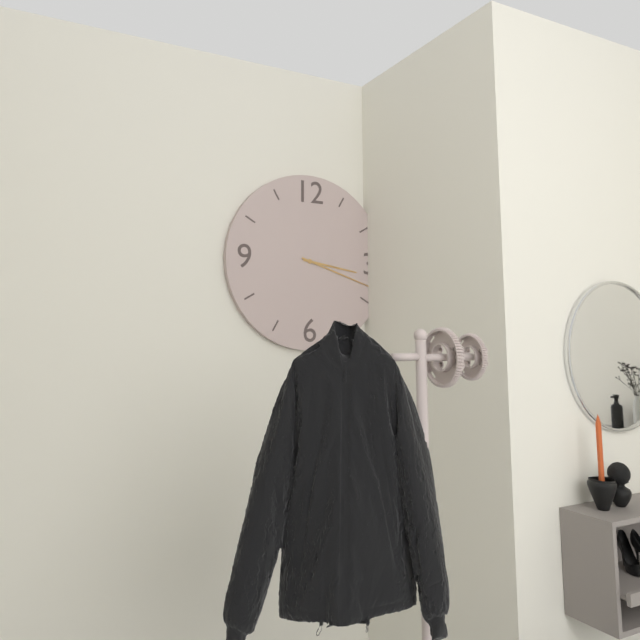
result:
3,18
